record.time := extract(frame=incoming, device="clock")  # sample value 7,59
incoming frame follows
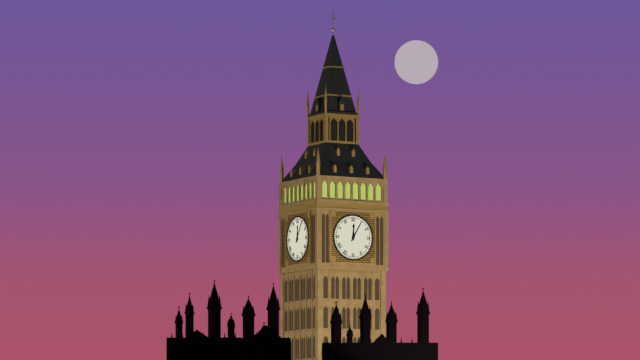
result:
12,05
